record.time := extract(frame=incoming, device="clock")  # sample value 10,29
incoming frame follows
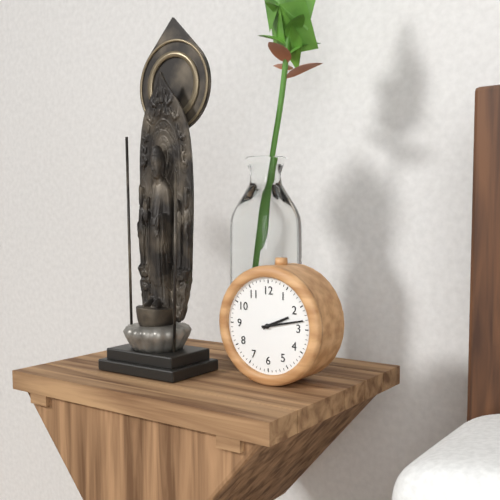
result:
2,13
